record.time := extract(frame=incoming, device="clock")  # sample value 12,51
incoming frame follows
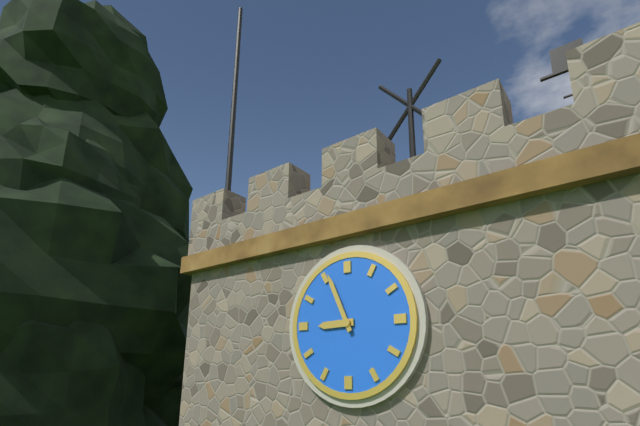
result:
8,56
